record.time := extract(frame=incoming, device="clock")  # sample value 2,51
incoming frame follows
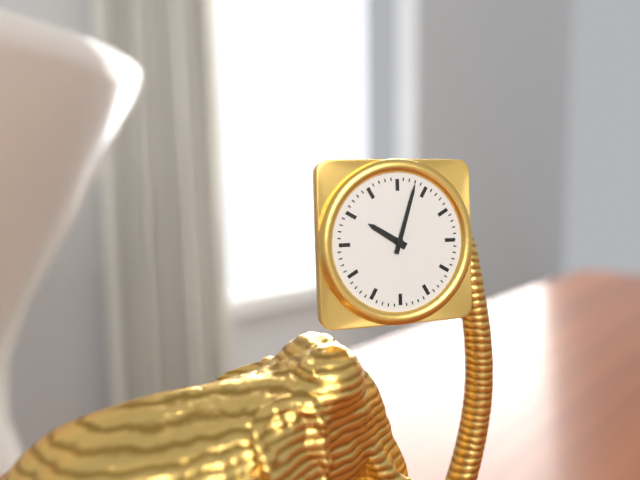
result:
10,03
